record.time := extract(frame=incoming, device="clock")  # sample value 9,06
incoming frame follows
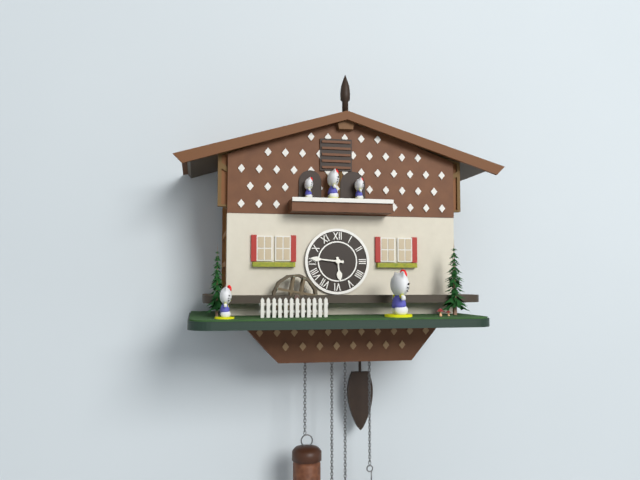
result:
5,46
